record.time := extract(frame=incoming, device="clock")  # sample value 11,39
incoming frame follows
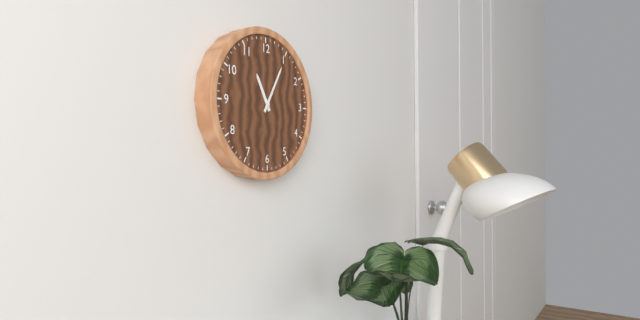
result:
11,05
